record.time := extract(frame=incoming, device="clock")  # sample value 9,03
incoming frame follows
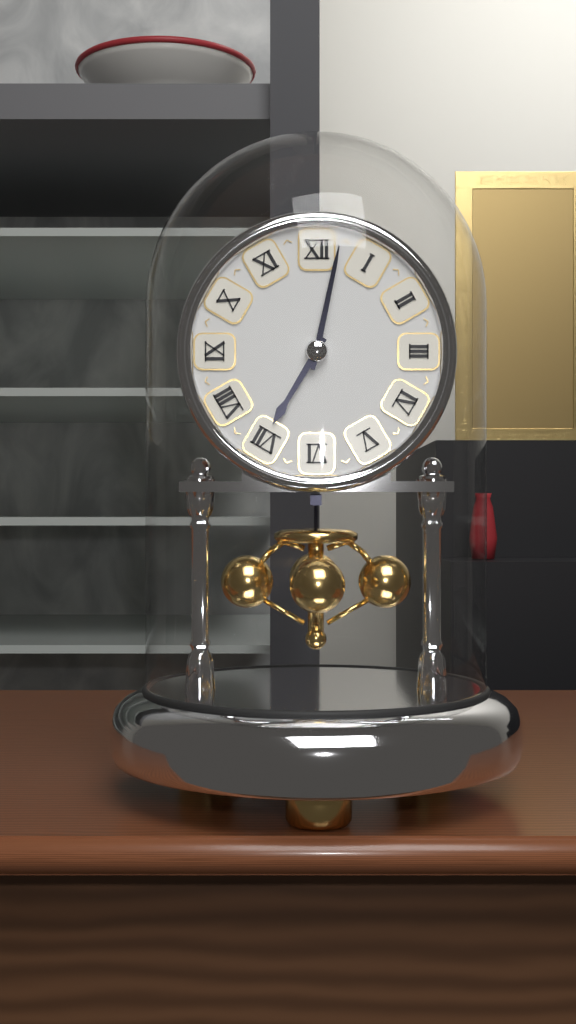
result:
7,02
